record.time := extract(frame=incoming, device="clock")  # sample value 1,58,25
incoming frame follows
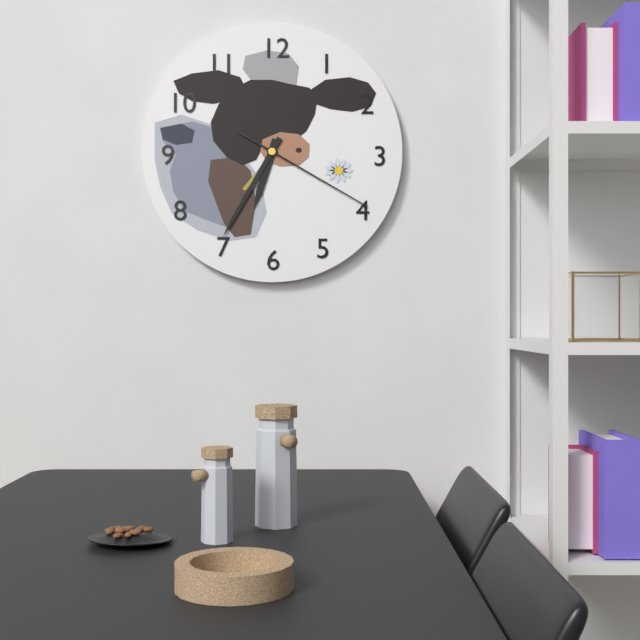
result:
6,35,20
